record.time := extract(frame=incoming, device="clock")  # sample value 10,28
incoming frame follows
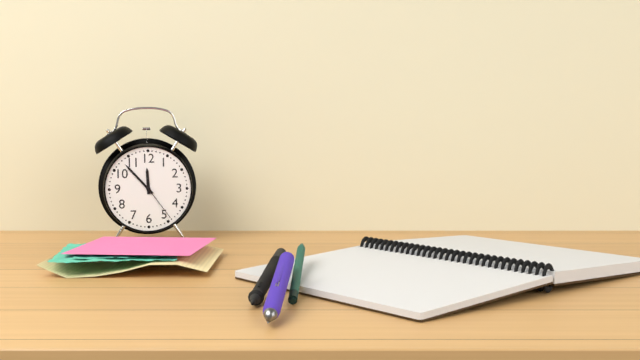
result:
11,53
